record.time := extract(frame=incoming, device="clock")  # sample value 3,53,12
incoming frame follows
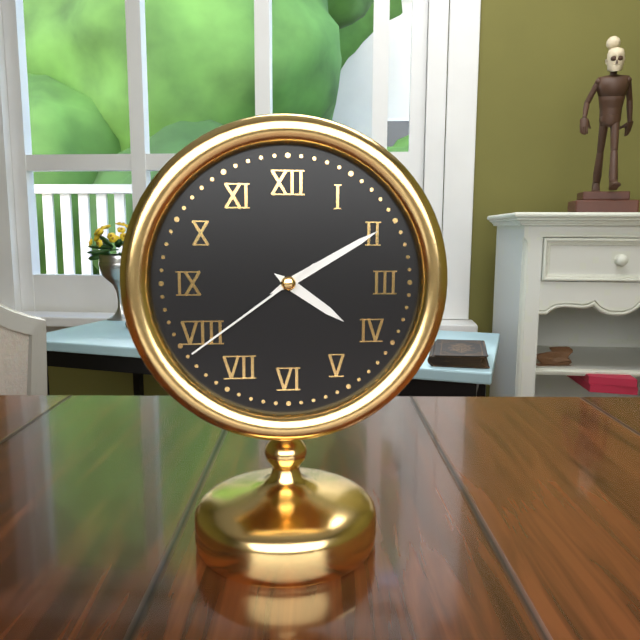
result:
4,10,39
